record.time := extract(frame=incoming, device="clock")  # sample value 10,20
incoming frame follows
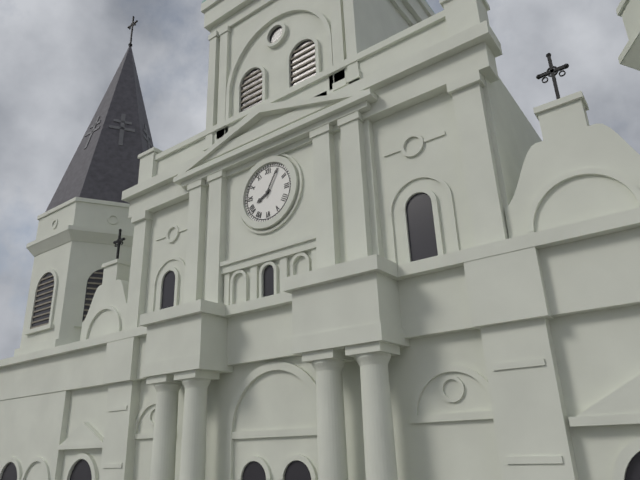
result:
8,05
